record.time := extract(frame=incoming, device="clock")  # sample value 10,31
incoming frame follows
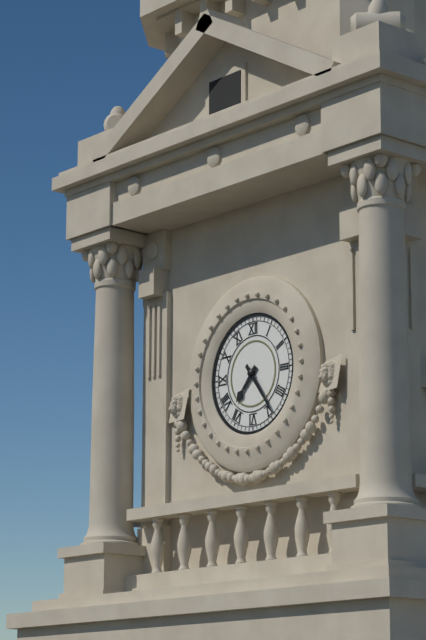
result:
7,24
